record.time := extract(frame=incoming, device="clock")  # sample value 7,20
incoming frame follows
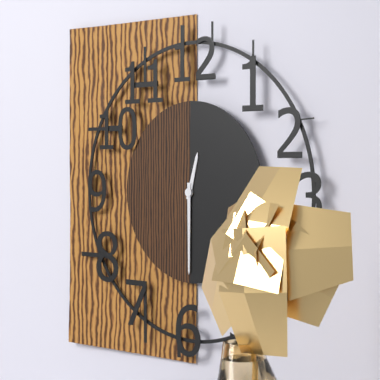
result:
12,30
